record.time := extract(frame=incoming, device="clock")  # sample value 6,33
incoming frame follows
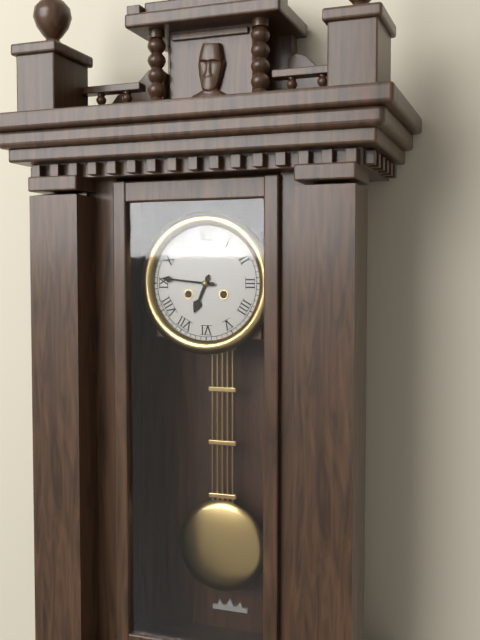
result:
6,46
